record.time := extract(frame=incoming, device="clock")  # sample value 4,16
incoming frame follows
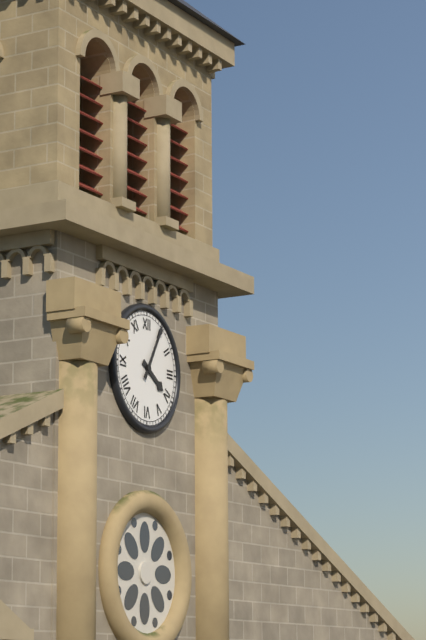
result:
4,05
